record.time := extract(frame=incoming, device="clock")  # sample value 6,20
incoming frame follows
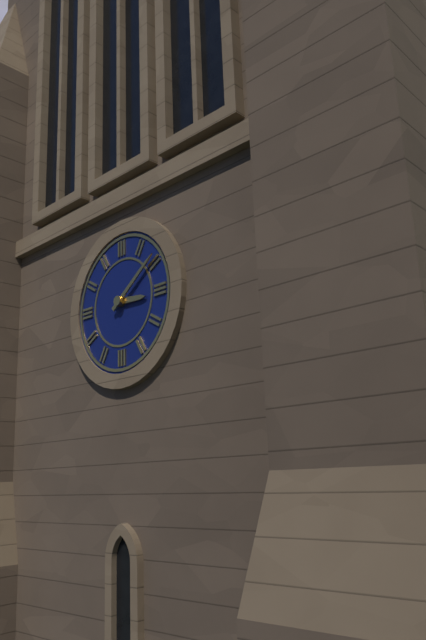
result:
3,09
